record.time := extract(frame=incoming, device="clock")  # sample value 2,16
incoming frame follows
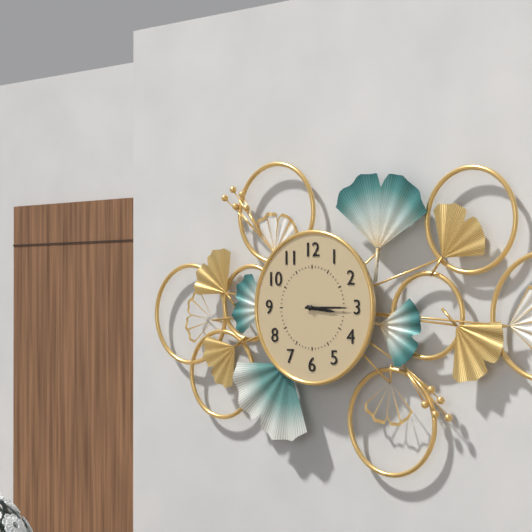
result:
3,15
